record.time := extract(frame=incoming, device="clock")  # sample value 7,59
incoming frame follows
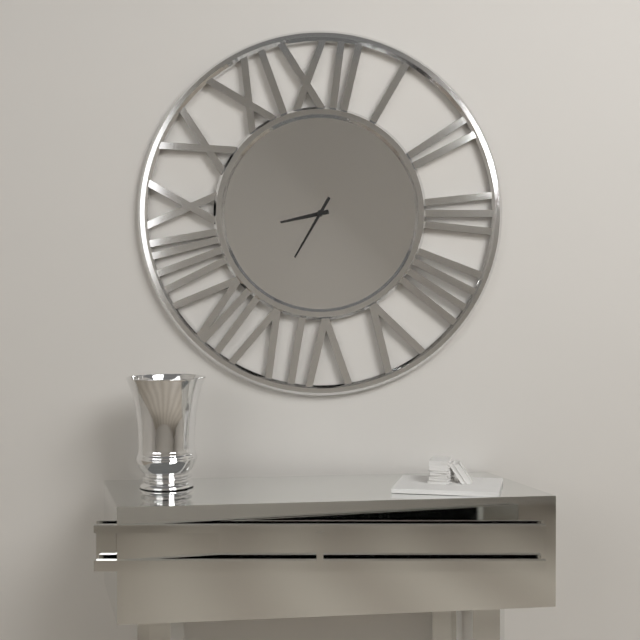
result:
8,35
